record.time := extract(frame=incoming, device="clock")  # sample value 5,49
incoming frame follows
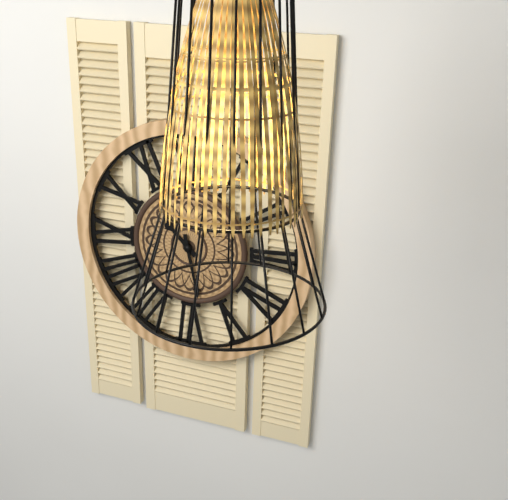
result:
10,28
